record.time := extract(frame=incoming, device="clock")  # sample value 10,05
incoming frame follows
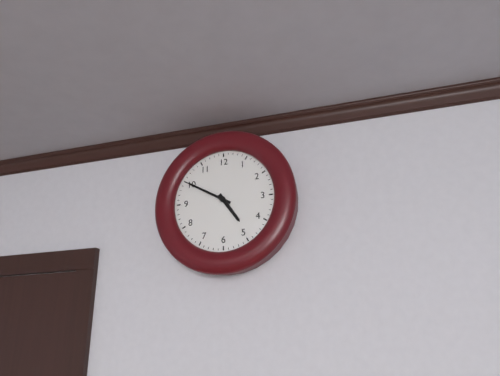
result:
4,50
